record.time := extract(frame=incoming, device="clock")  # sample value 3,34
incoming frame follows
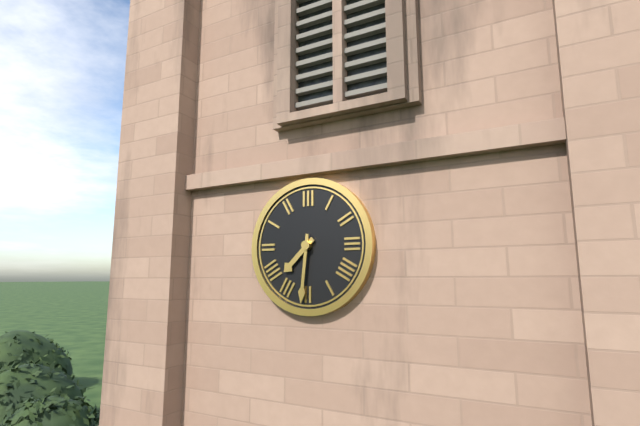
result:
7,31
